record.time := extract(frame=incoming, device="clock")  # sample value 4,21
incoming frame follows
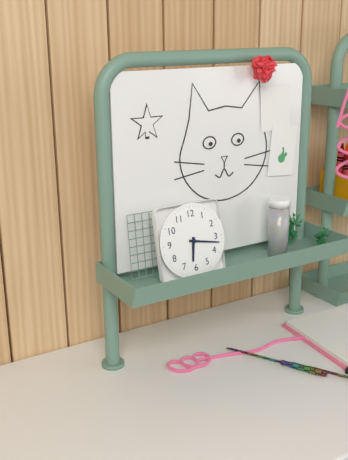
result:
6,17
